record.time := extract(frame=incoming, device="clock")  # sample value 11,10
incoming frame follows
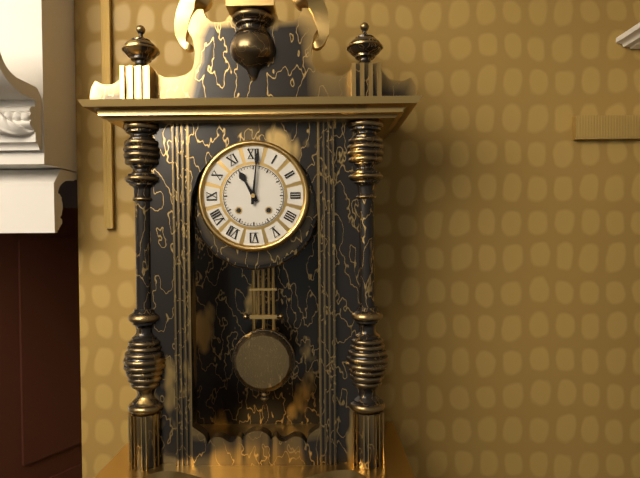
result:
11,01
